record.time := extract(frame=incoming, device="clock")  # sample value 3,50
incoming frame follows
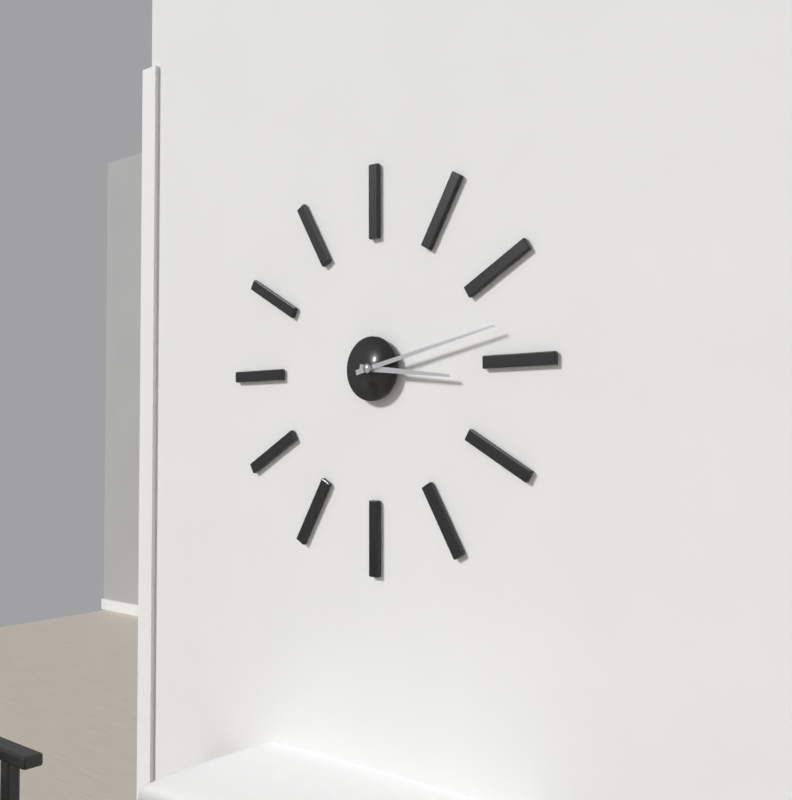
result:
3,13
